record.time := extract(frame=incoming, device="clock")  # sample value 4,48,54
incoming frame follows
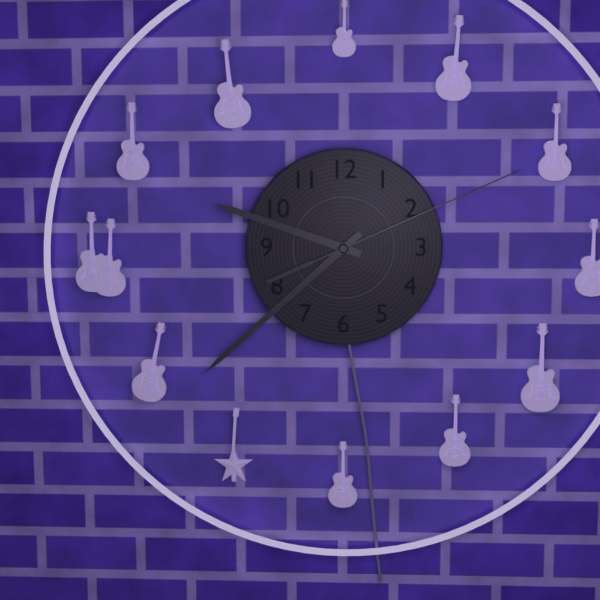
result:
9,38,11
